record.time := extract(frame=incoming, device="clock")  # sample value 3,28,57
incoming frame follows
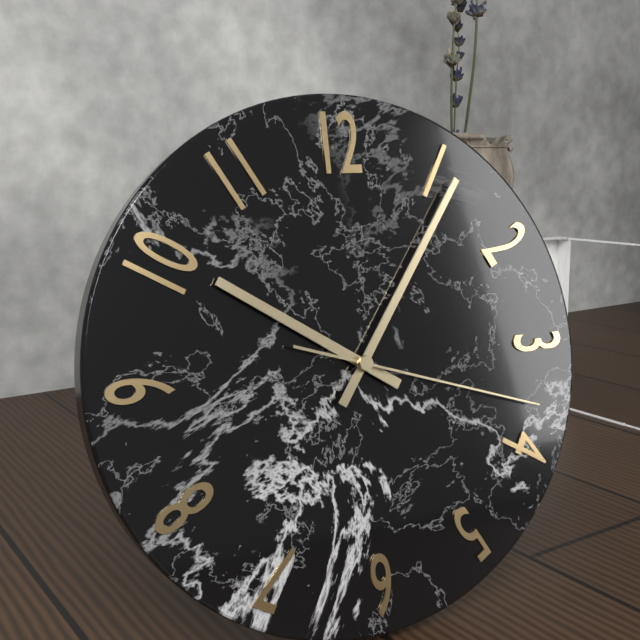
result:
10,06,18
